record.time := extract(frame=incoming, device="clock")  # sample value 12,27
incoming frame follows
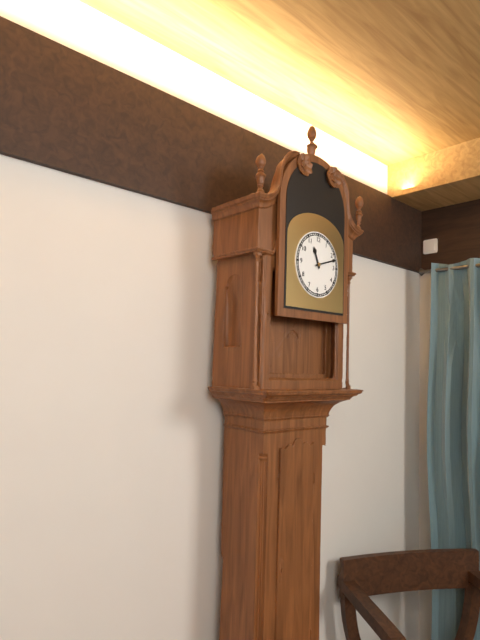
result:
11,12
